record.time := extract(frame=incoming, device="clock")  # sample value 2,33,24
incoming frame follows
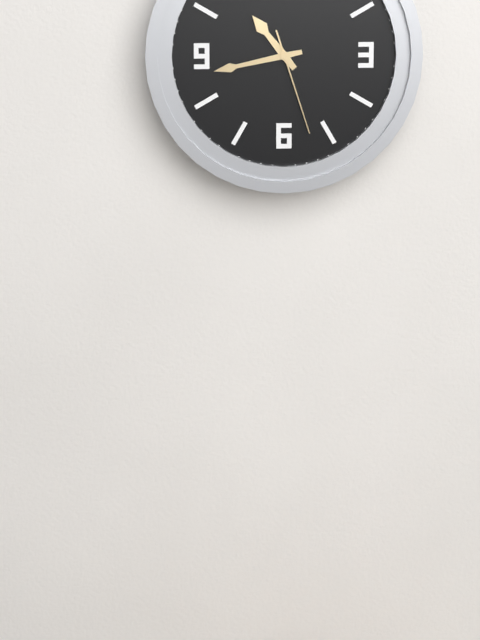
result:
10,43,27
